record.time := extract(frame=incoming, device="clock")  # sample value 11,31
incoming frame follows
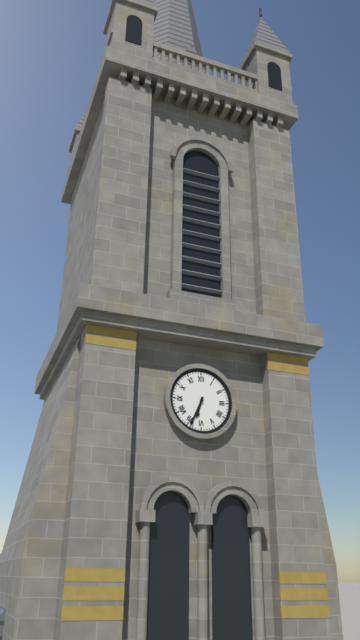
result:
6,34
